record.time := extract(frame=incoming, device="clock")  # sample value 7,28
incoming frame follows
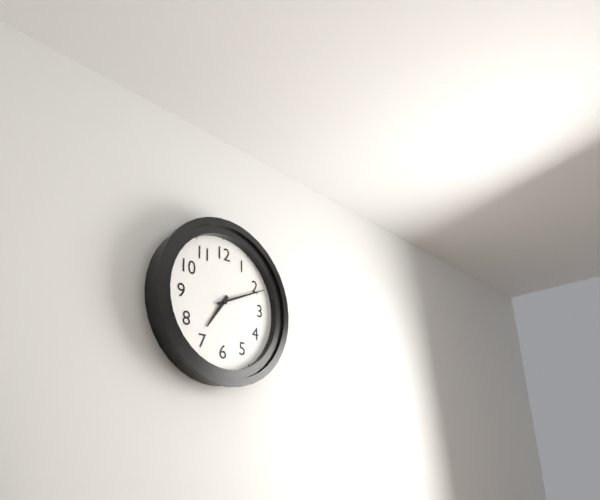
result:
7,11
